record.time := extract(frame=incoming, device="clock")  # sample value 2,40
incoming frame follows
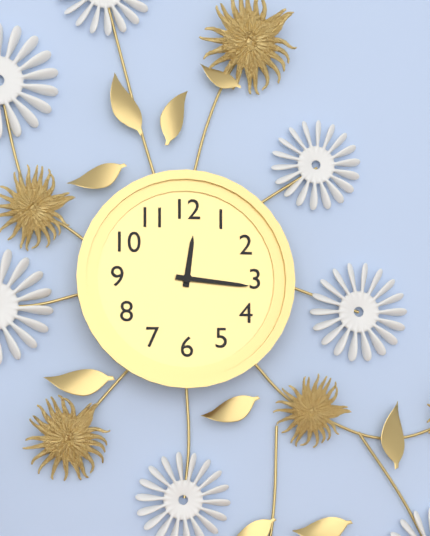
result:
12,16
